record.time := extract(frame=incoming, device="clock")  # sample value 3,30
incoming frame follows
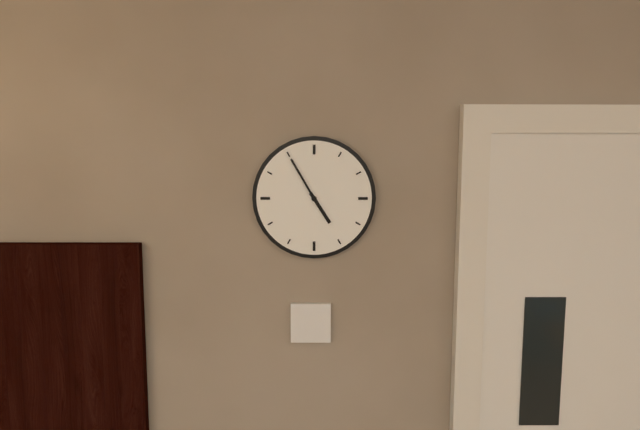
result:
4,55
